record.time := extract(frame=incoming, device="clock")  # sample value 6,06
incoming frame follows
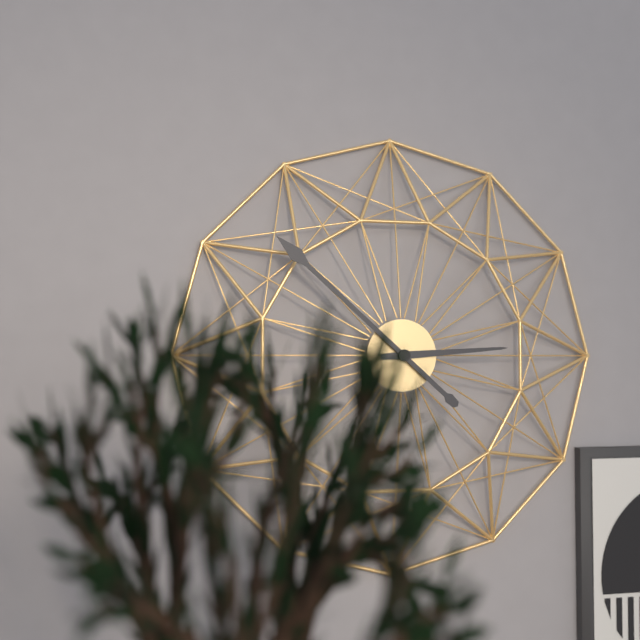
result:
2,52
